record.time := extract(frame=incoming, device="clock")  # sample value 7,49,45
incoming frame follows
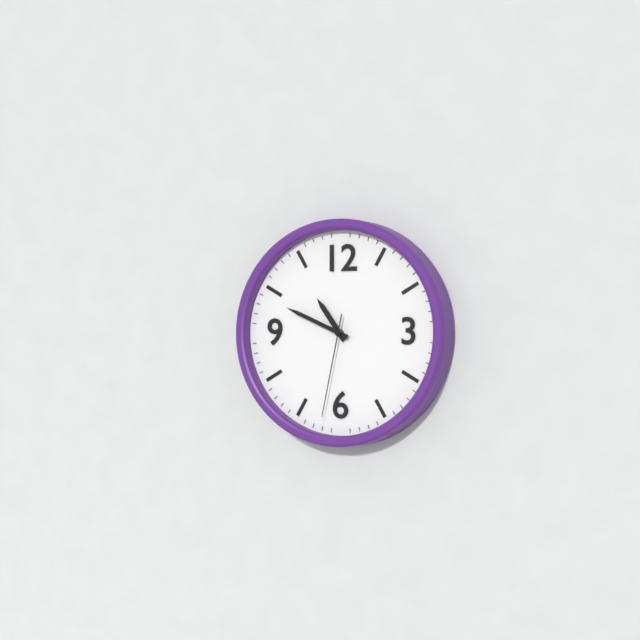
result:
10,49,32
